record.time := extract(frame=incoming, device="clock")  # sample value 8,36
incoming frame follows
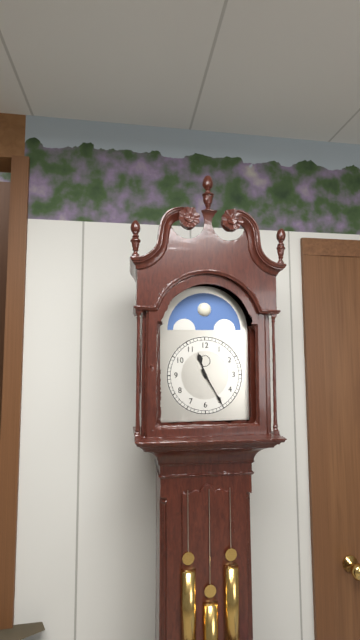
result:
11,25
